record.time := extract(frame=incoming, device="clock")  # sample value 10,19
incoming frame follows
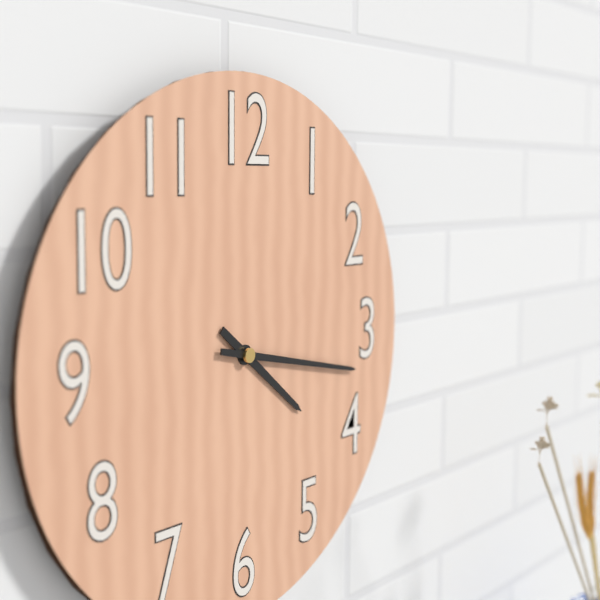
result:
4,17
